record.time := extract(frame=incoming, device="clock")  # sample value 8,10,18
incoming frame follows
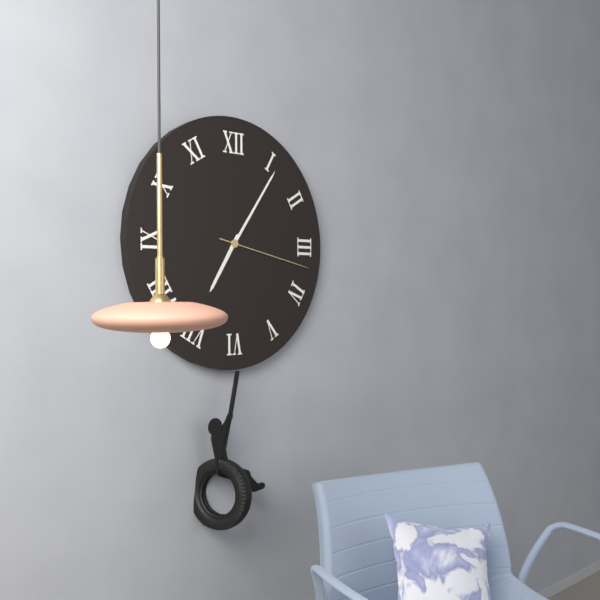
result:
7,06,17
